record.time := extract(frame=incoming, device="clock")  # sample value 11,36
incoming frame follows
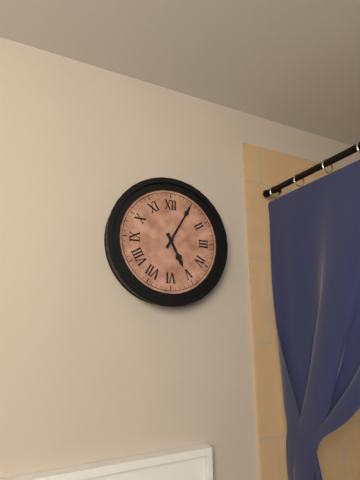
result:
5,05
